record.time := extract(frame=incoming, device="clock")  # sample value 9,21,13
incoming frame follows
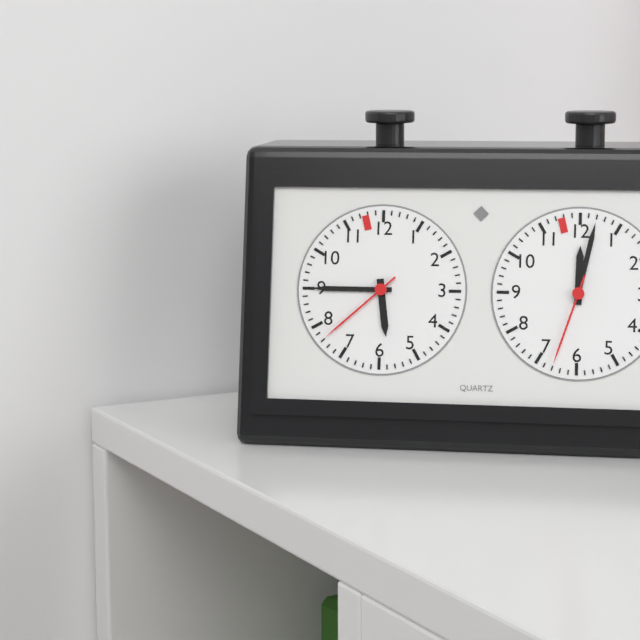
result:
5,45,38
